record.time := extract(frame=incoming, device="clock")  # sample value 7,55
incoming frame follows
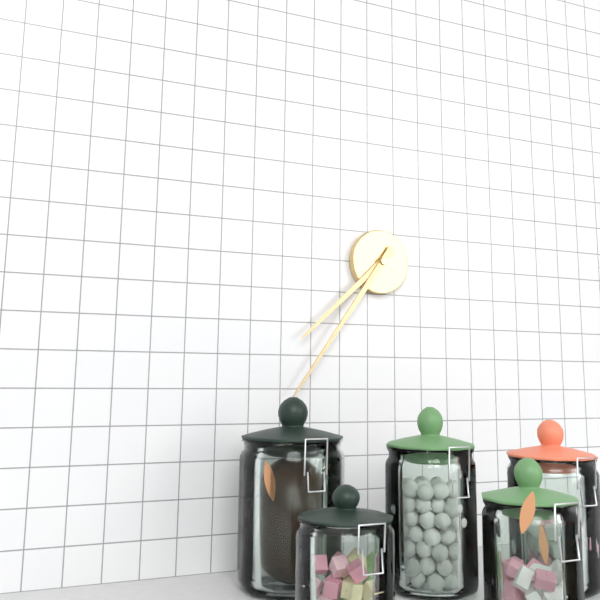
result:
7,36
